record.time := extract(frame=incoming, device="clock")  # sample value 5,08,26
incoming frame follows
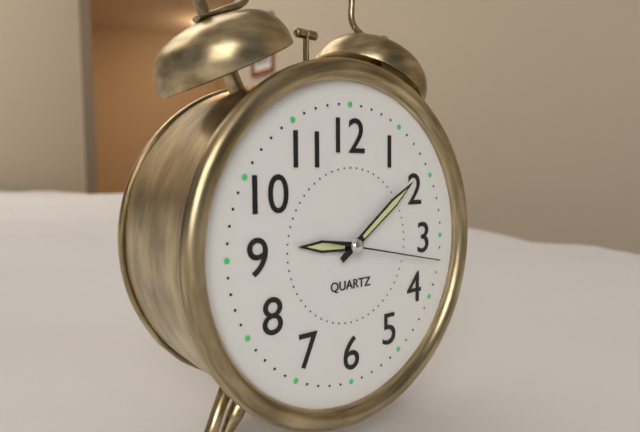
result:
9,09,17
